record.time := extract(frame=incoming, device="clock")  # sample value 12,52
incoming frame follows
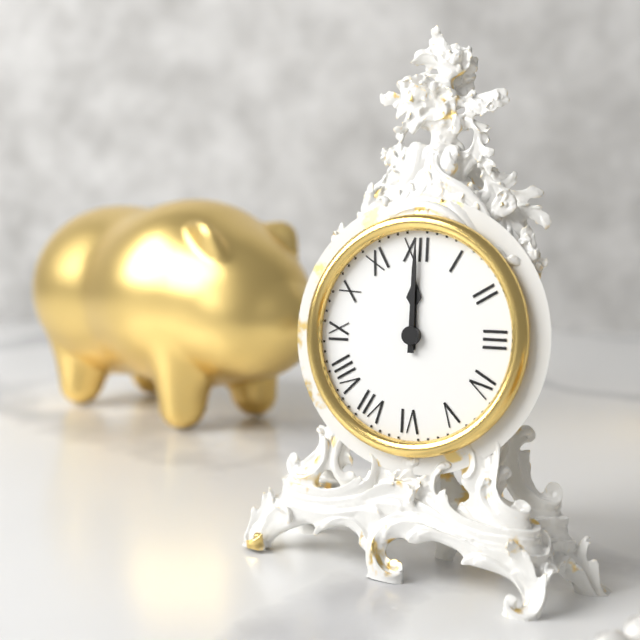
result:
12,00
